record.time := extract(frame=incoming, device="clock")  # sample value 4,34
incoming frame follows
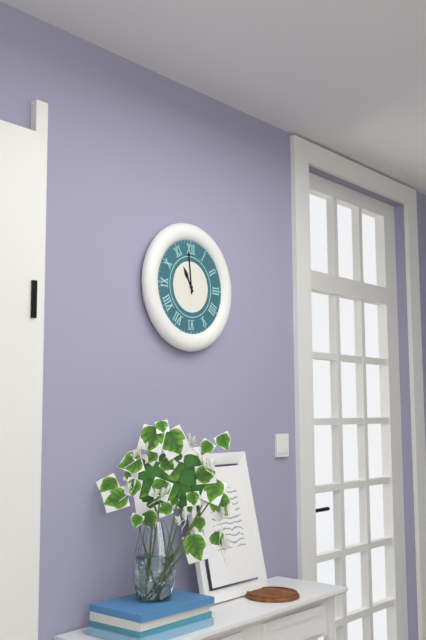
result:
10,59
